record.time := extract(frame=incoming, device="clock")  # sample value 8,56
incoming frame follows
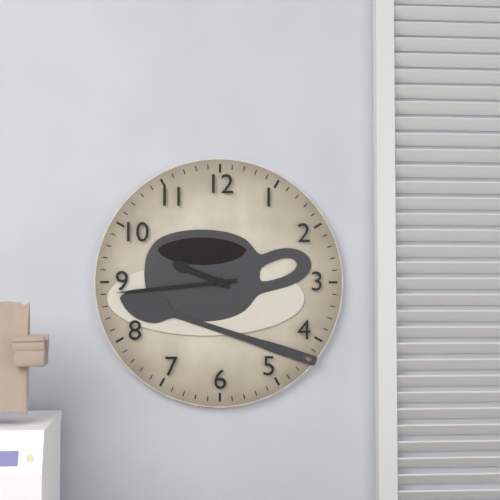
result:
9,44
